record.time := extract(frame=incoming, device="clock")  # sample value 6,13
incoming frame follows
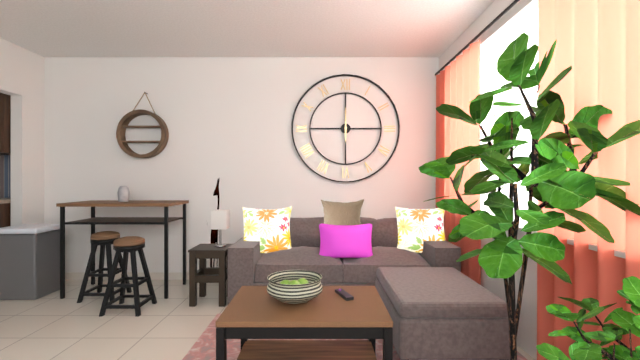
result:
6,00
